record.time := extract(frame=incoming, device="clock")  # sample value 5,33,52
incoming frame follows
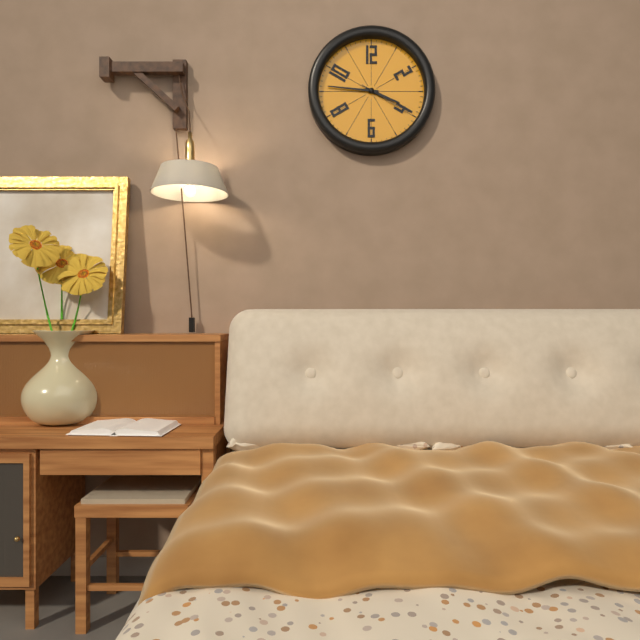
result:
3,46,20
